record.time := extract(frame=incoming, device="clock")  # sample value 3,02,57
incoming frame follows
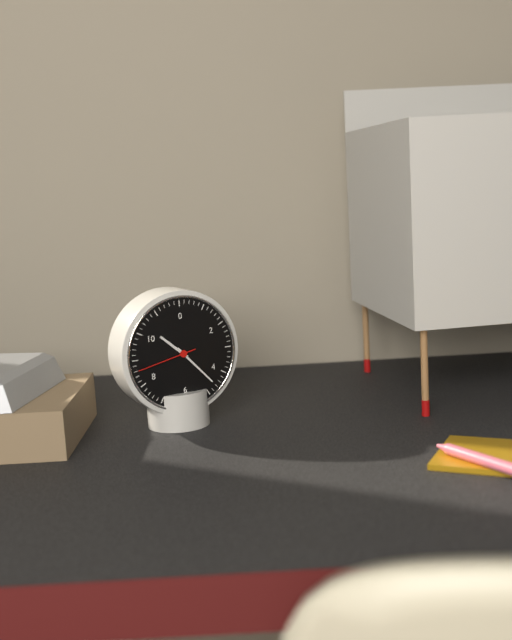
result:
10,23,43
